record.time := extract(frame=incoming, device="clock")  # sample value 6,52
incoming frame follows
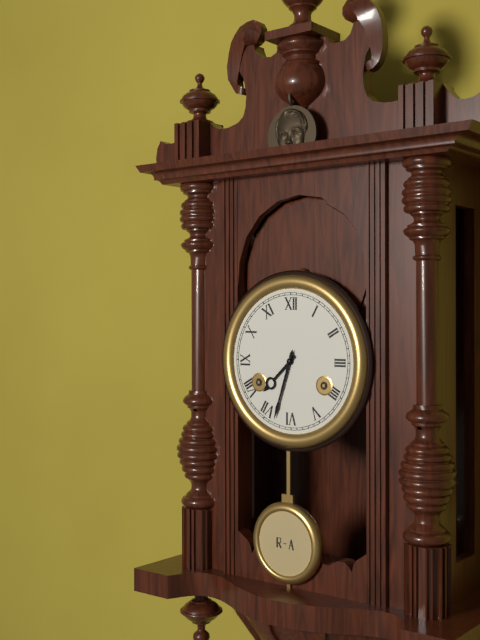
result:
7,33
